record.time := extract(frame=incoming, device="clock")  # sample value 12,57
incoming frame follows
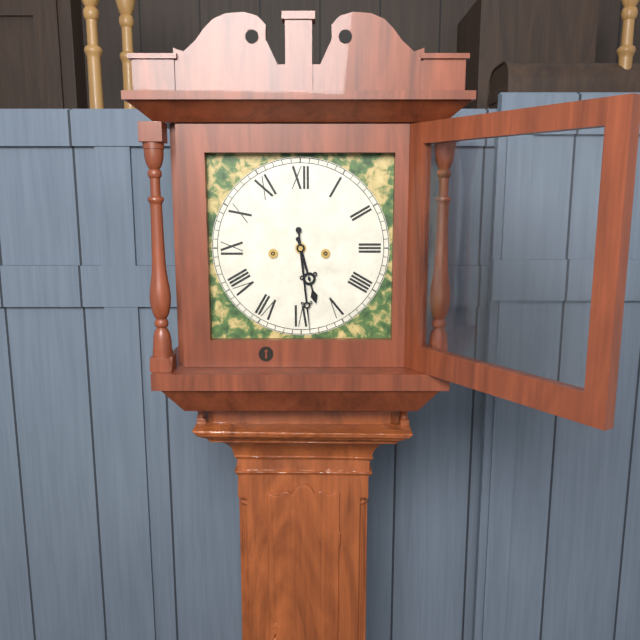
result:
5,29
